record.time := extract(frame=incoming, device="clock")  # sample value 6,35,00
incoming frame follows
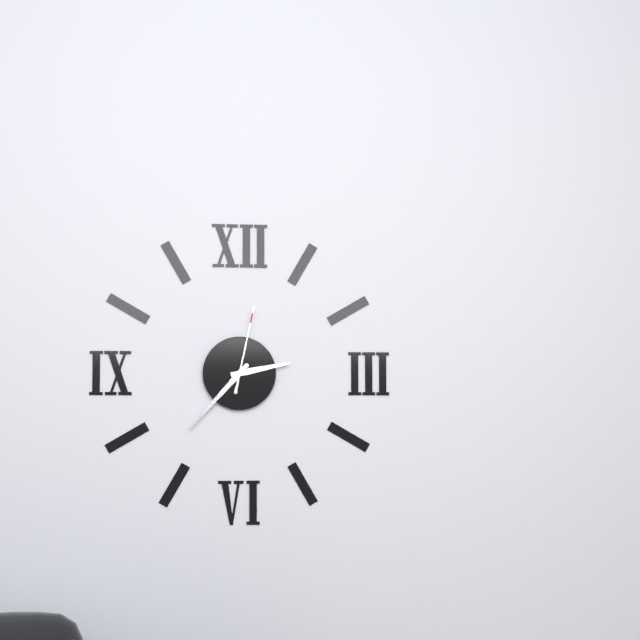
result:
2,37,02
